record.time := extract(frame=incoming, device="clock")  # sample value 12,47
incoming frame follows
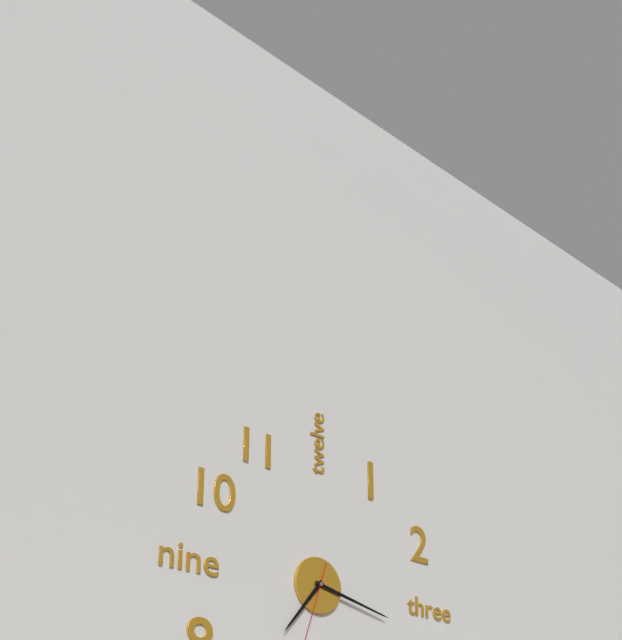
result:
7,17
